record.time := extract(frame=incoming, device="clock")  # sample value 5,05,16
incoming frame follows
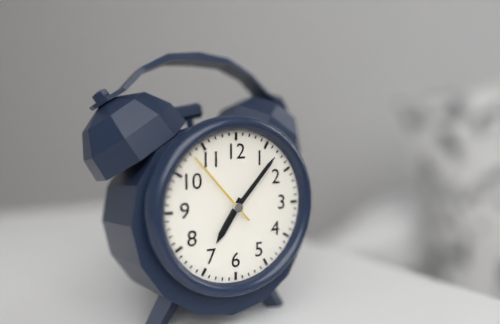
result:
7,07,53
